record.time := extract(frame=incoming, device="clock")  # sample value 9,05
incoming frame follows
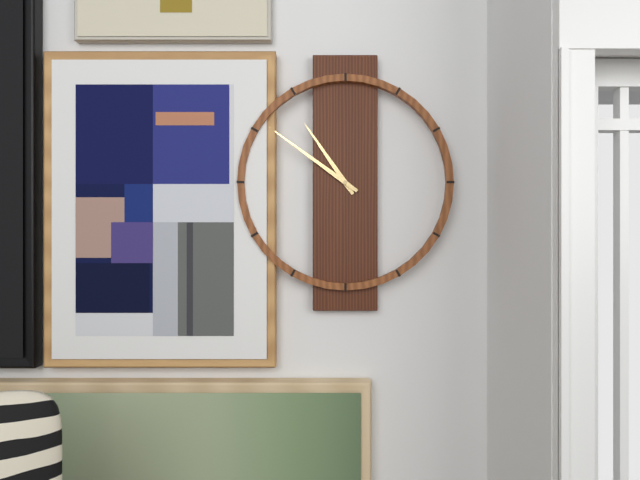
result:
10,51
